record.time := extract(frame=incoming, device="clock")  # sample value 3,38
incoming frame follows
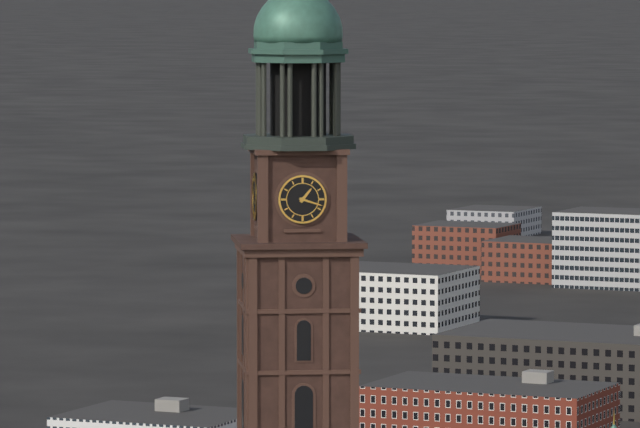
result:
1,18
